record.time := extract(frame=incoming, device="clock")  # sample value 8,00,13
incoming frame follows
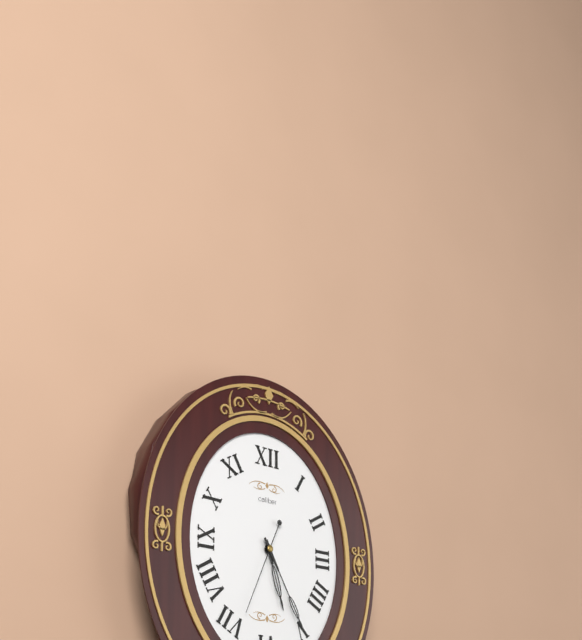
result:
5,25,34
